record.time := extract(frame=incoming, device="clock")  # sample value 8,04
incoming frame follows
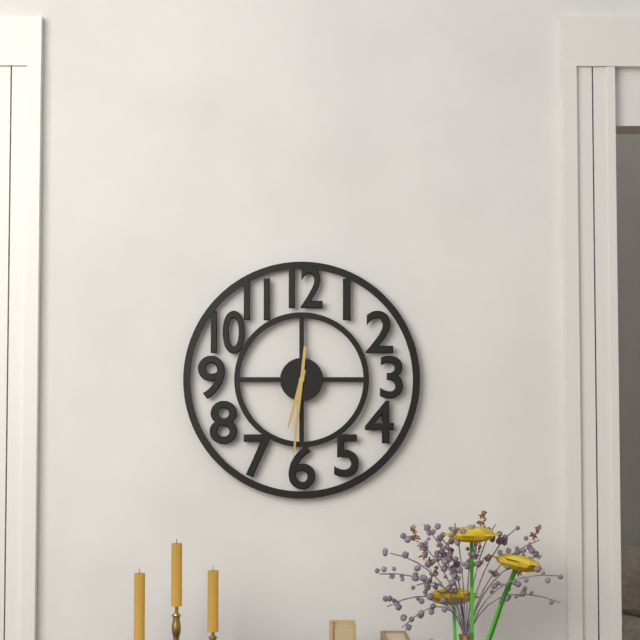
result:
6,31
